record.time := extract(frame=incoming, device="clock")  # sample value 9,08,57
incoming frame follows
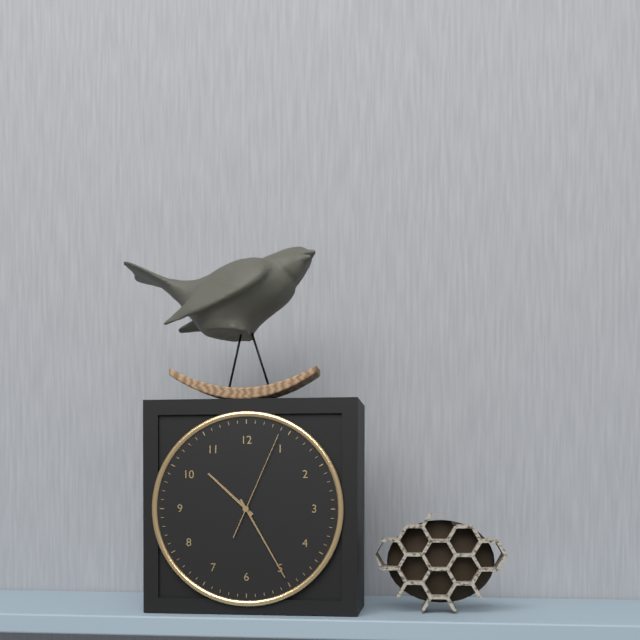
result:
10,25,04
